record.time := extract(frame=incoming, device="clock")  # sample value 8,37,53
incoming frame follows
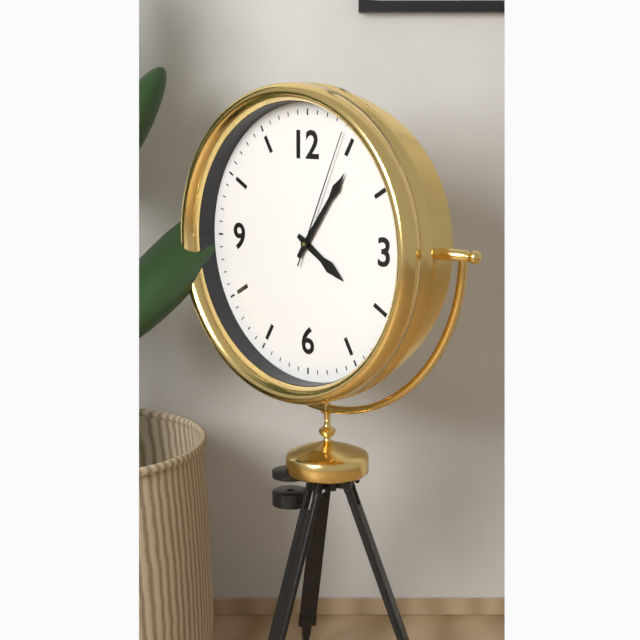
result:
4,06,04
